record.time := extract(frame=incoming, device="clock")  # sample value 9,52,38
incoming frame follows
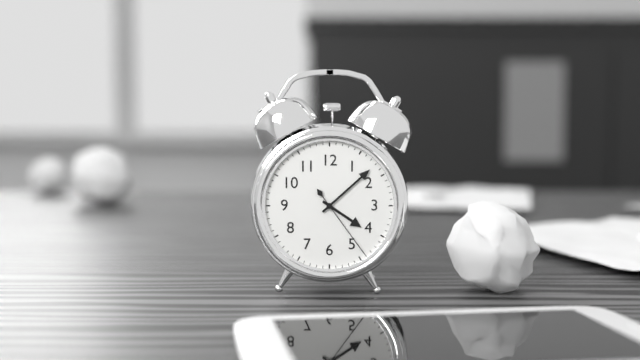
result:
4,08,24
